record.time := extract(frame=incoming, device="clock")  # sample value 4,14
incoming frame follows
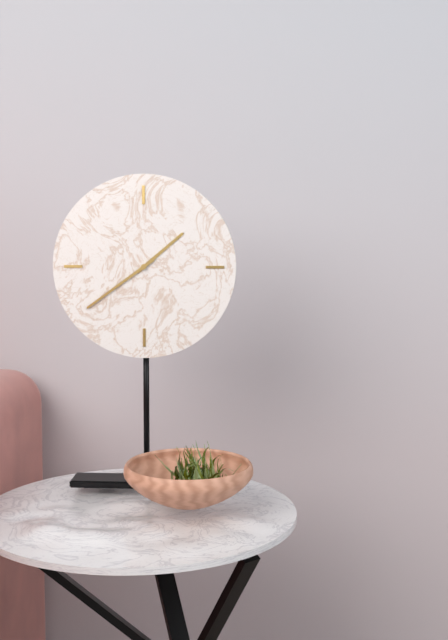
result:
1,39
